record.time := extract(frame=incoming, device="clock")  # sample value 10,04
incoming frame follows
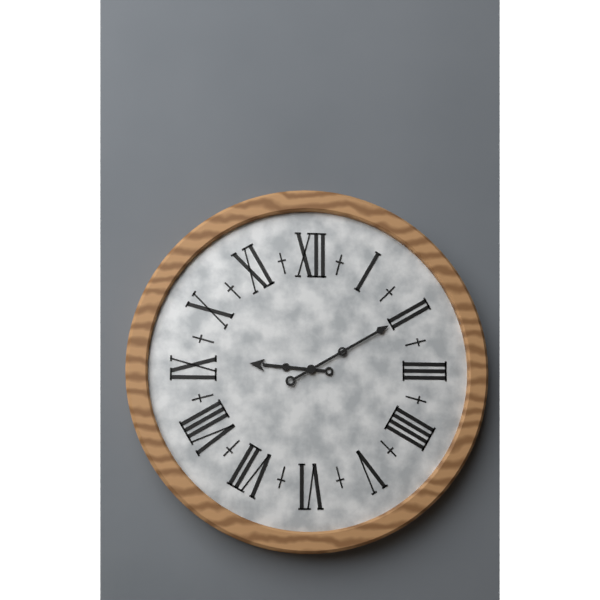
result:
9,10
